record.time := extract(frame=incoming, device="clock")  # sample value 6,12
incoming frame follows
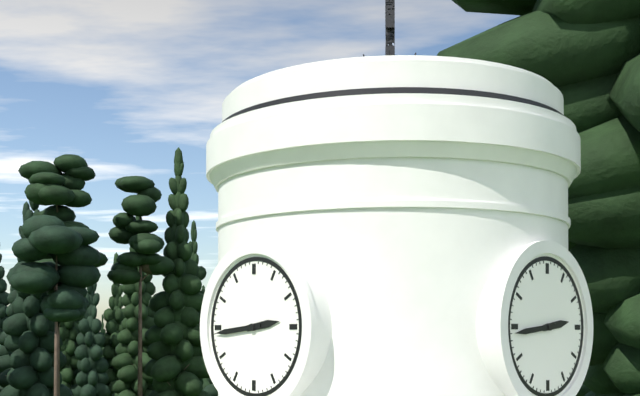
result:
2,44
